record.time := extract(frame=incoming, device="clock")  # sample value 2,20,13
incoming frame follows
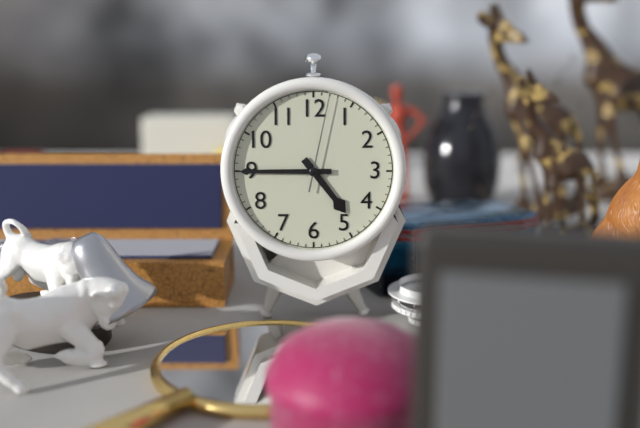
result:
4,45,02
